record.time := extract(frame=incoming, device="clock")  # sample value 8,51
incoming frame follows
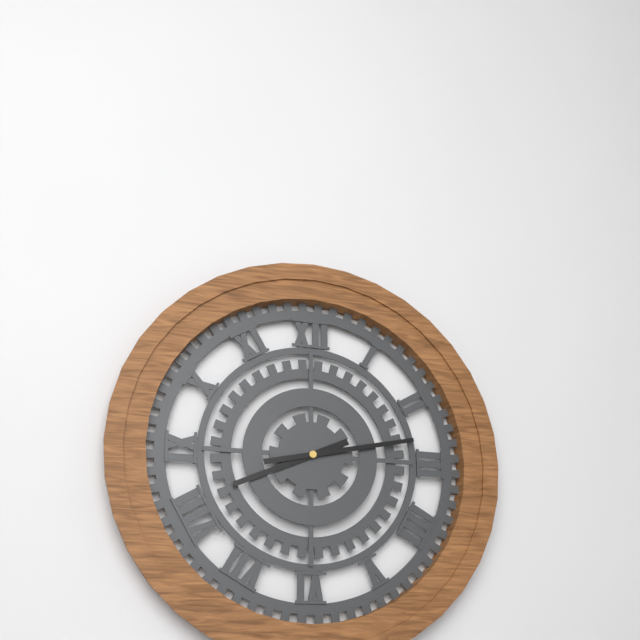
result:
8,13
